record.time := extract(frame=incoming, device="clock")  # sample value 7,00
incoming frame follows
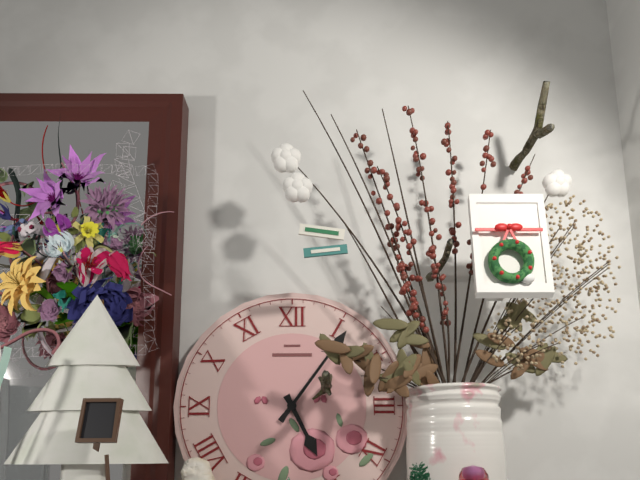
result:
5,06
